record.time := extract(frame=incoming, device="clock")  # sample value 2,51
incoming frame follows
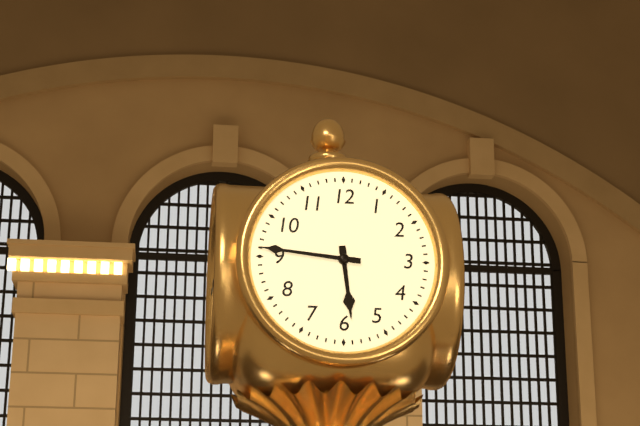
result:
5,46
